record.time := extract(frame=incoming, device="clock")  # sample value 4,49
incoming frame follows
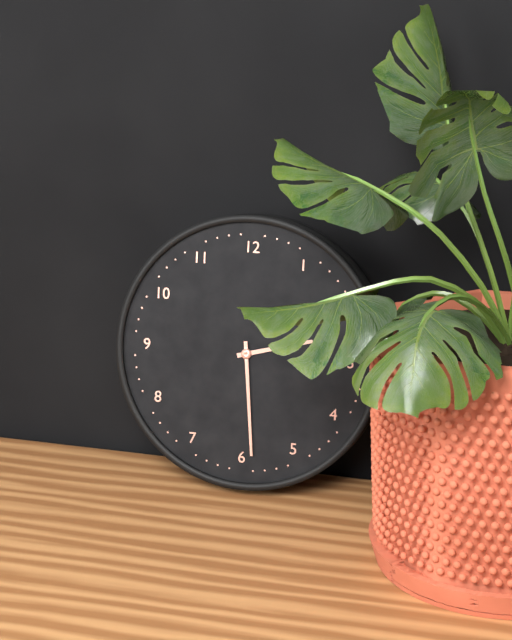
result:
2,29
